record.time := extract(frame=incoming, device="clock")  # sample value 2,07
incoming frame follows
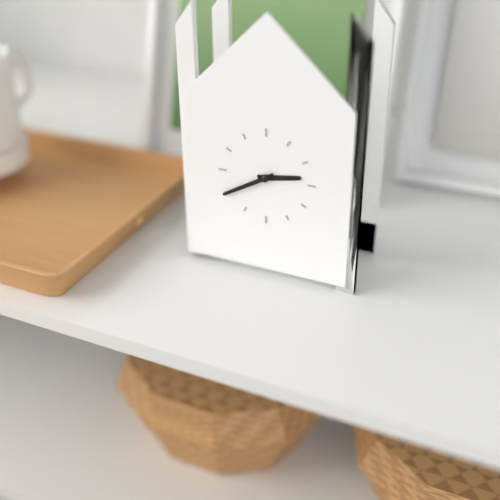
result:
2,40
